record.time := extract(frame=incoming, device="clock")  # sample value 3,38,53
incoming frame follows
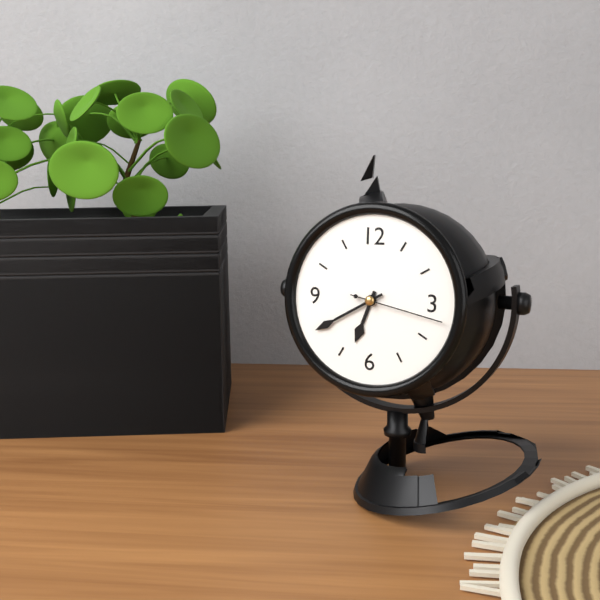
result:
6,40,17
